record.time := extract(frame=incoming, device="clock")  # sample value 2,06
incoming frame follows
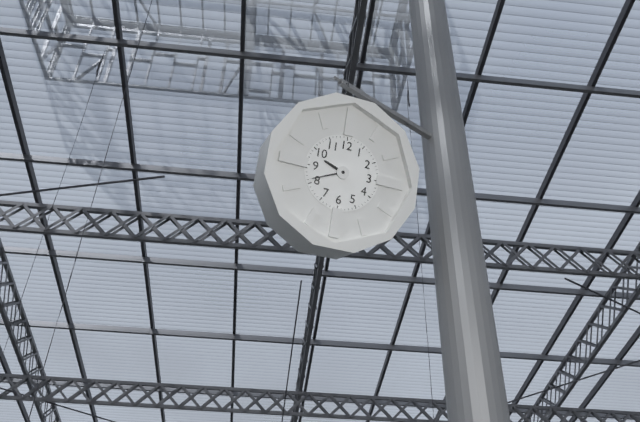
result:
9,41
